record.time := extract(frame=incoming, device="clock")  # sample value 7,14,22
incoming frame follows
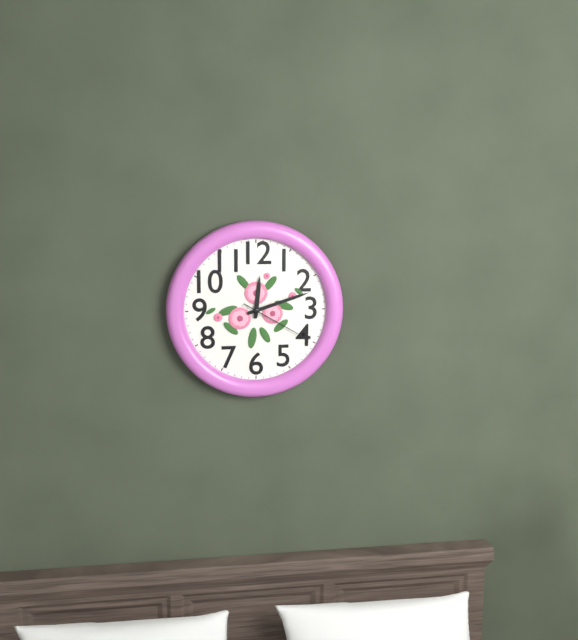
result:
12,12,20
